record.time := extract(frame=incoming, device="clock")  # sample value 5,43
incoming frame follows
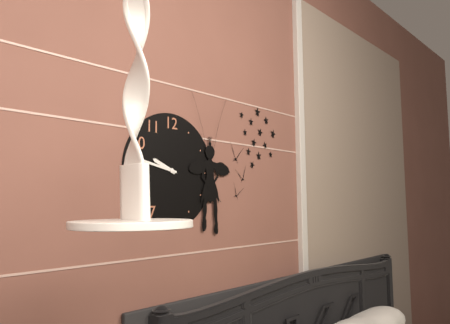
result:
9,47
